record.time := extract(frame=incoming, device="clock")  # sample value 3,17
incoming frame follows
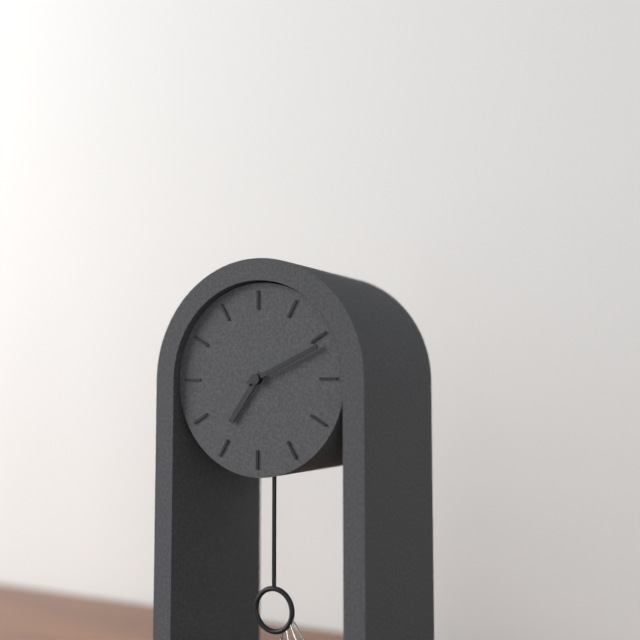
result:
7,11
